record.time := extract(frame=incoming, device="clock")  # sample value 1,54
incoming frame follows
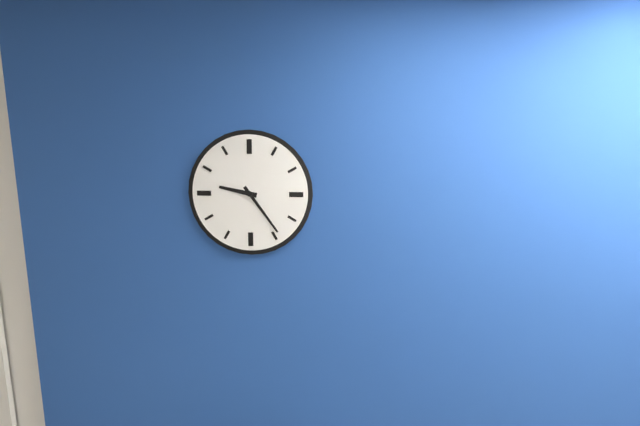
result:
9,24
